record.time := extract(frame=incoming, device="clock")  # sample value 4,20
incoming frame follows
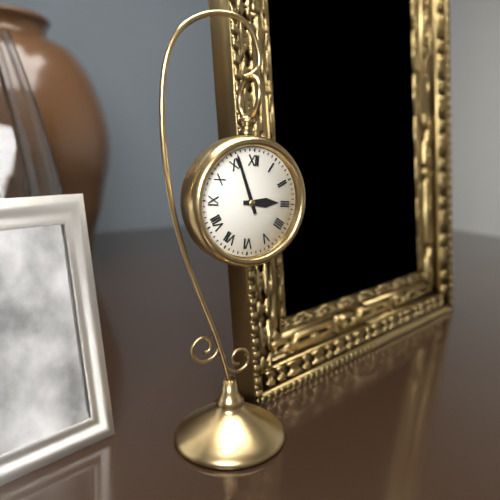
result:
2,56
